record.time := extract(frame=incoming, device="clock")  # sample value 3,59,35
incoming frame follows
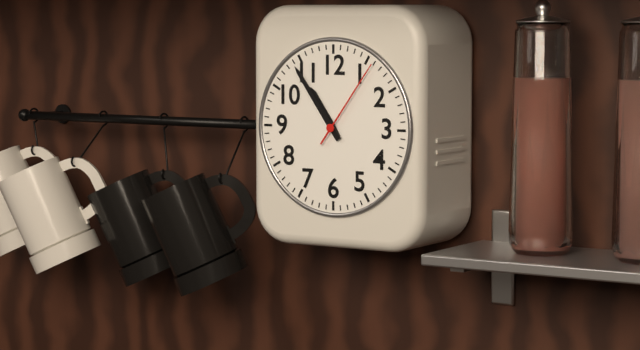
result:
10,54,06
